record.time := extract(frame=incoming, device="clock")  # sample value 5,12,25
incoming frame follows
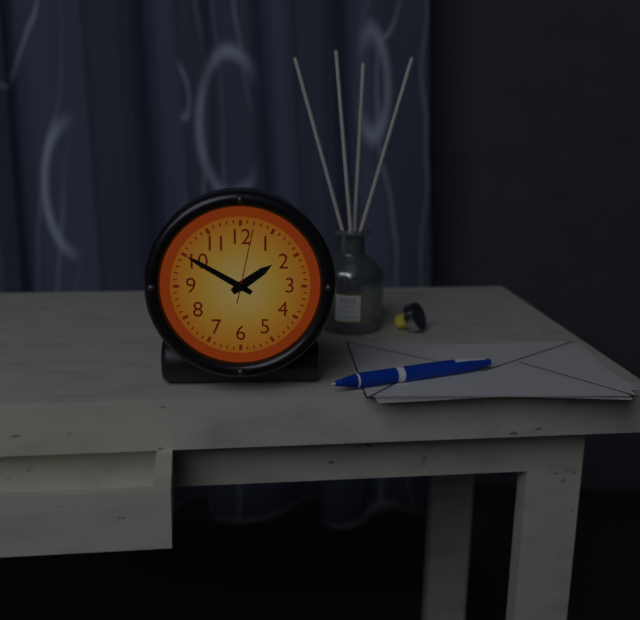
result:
1,50,02
